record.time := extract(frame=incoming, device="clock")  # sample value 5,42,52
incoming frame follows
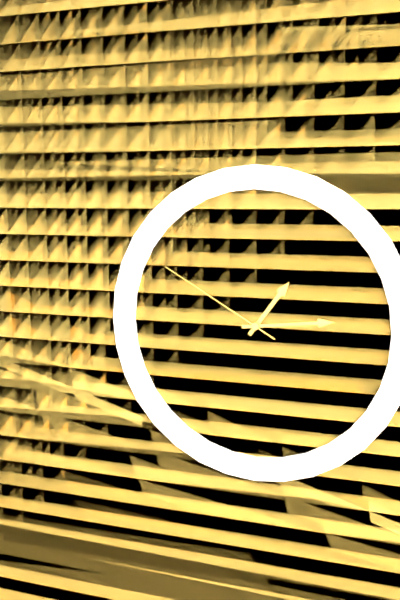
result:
1,14,50
